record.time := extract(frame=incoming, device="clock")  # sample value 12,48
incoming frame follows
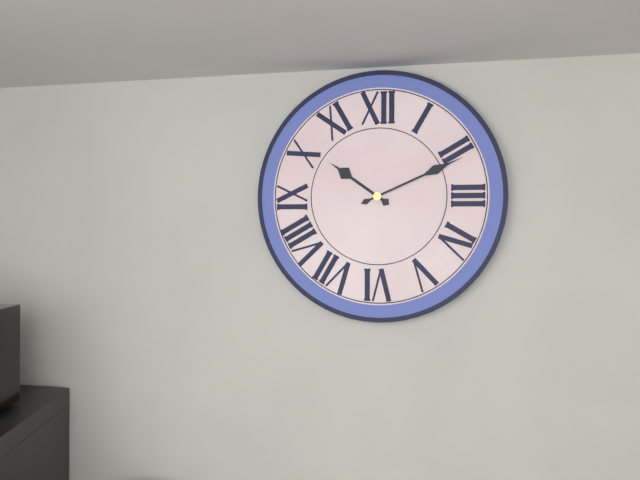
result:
10,11
